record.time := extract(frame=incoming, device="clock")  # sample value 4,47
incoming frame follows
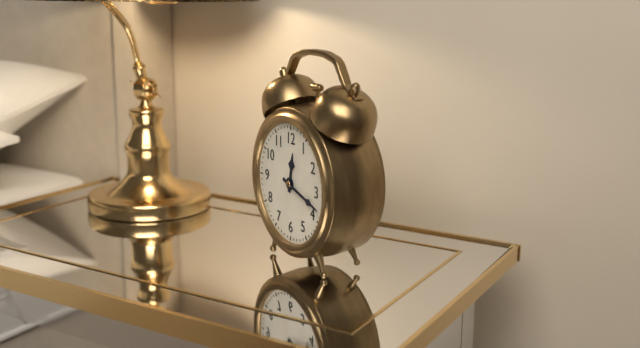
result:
12,18
